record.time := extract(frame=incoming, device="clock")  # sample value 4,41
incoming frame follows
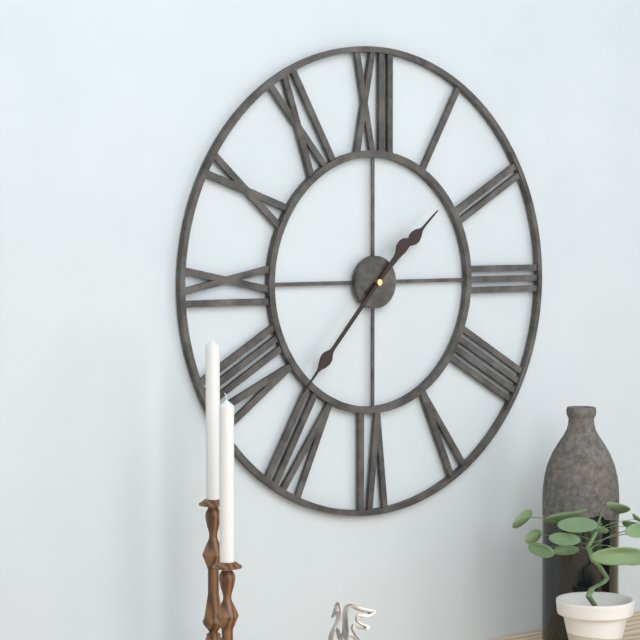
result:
1,37
